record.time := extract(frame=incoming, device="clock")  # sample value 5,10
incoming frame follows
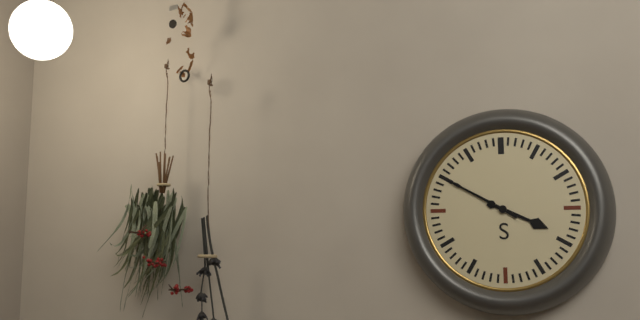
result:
3,50
